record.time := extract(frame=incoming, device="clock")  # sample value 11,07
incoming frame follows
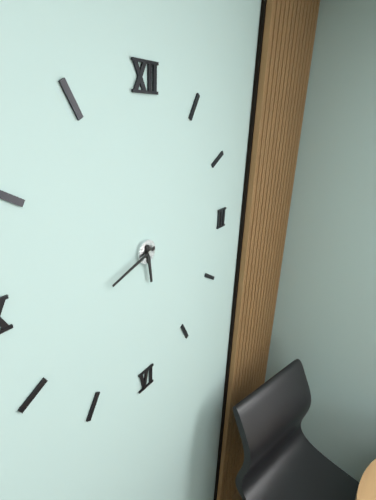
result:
5,42
